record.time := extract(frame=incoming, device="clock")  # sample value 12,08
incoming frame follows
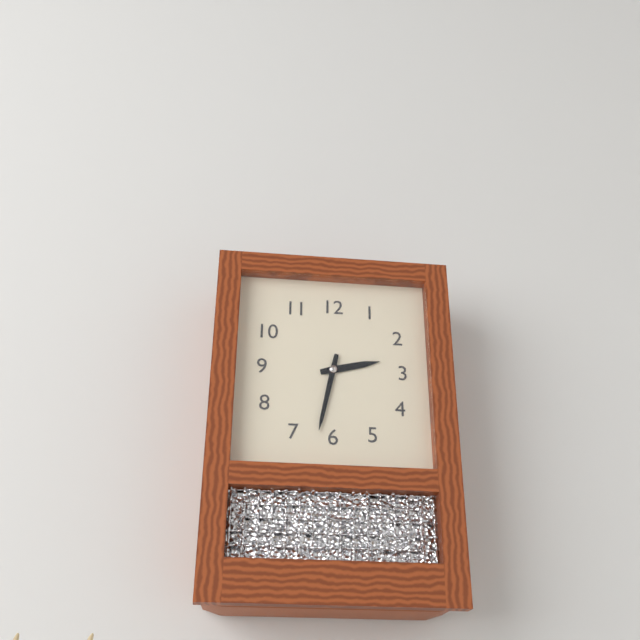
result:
2,32
